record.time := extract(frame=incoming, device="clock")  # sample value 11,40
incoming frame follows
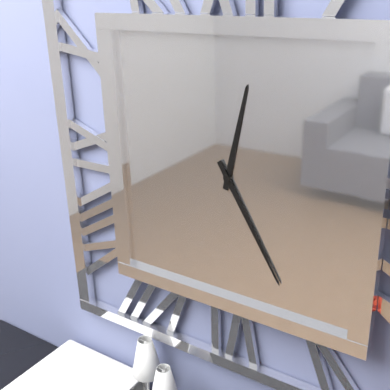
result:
12,25
